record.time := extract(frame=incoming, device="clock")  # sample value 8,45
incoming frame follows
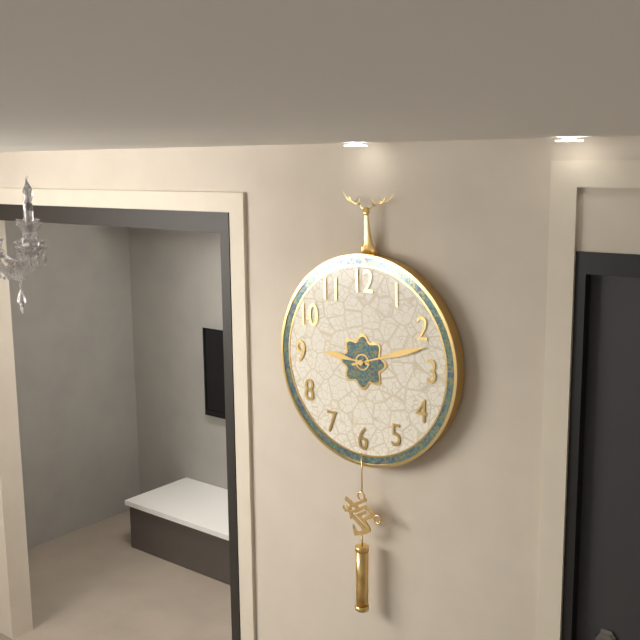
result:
9,12
